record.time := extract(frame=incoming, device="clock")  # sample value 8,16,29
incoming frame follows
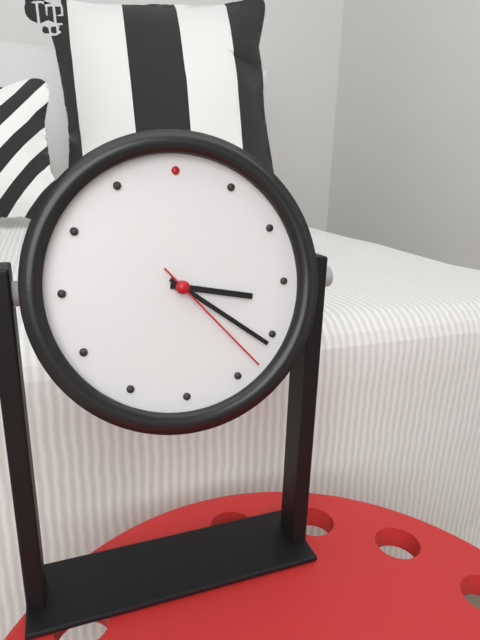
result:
3,21,23
